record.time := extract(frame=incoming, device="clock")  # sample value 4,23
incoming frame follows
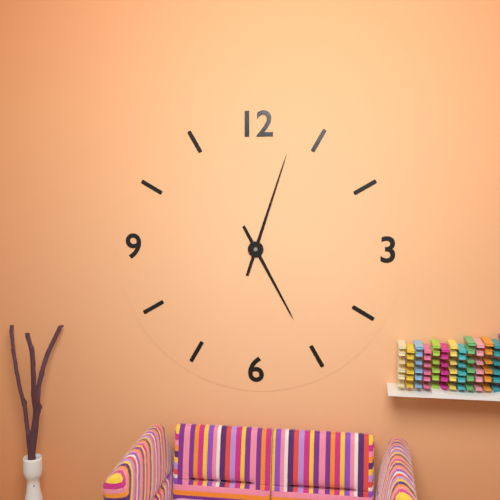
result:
5,03
